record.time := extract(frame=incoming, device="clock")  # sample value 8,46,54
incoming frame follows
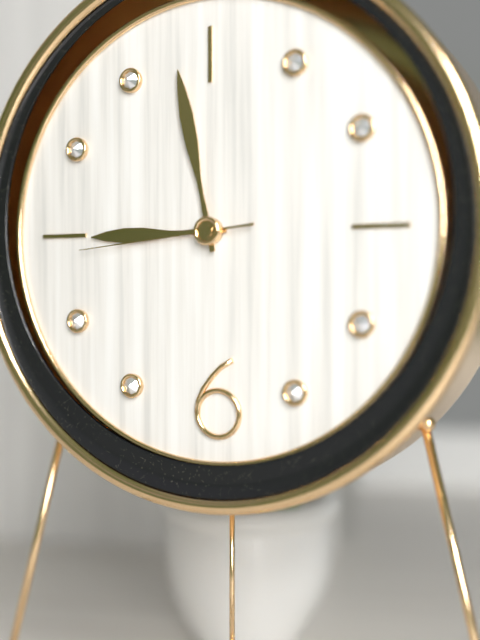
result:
8,58,44
